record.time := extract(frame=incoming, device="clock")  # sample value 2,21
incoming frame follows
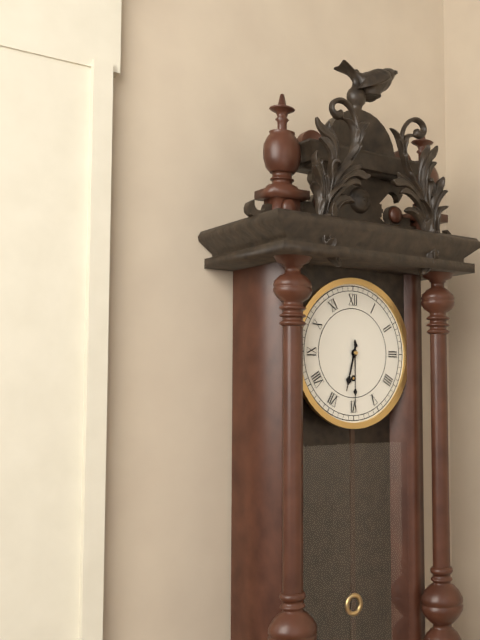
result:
6,30
